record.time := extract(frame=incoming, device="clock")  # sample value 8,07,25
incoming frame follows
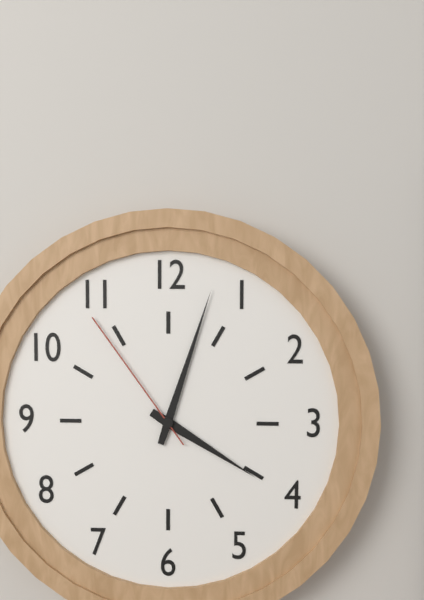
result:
4,03,54
